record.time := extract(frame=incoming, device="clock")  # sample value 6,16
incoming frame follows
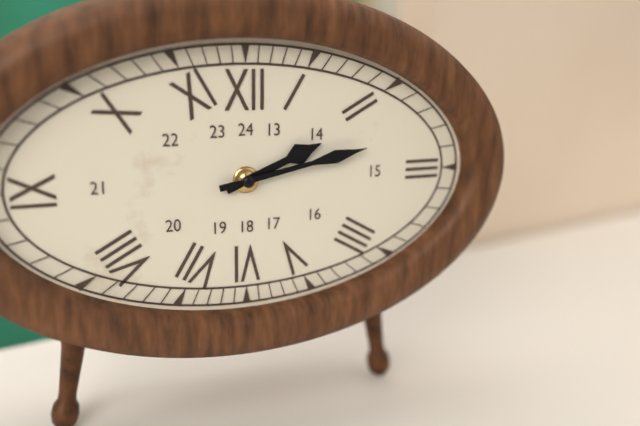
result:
2,13
